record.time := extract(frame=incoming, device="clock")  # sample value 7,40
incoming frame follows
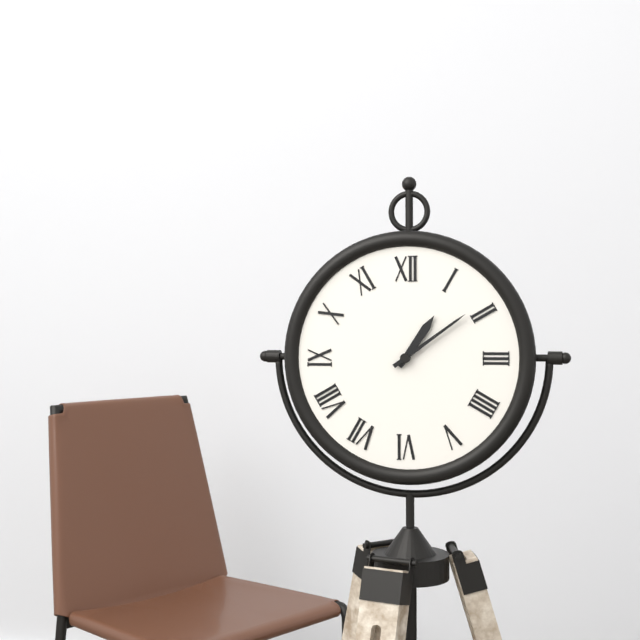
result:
1,09
